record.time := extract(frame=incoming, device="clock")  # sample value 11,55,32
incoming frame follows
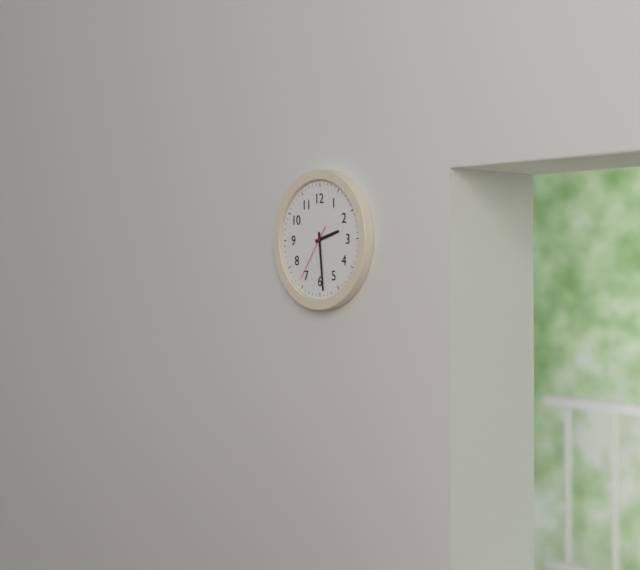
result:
2,29,36
